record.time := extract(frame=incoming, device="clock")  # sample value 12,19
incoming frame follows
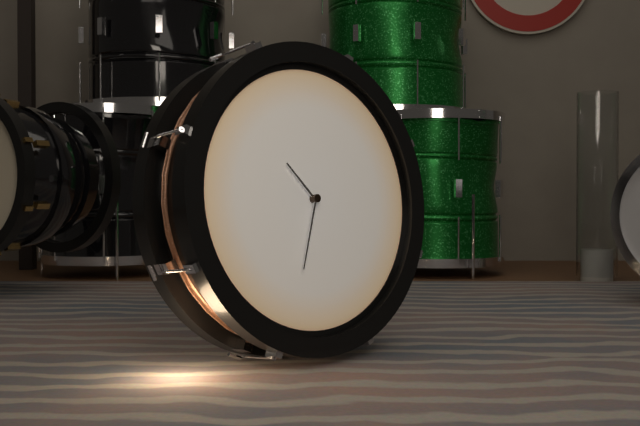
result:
10,33
